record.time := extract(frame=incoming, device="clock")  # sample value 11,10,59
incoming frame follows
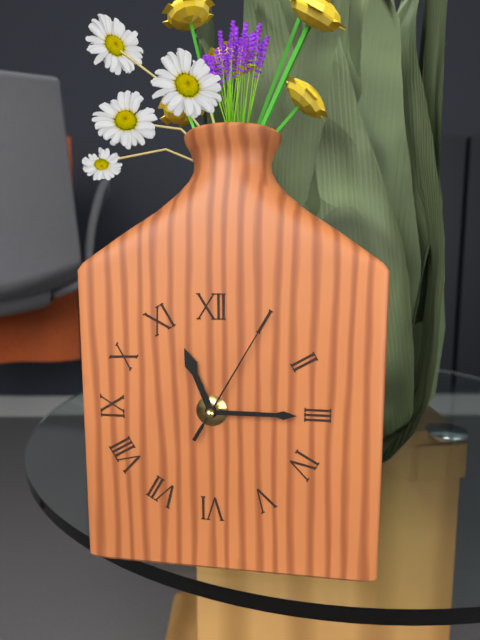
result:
11,15,05
